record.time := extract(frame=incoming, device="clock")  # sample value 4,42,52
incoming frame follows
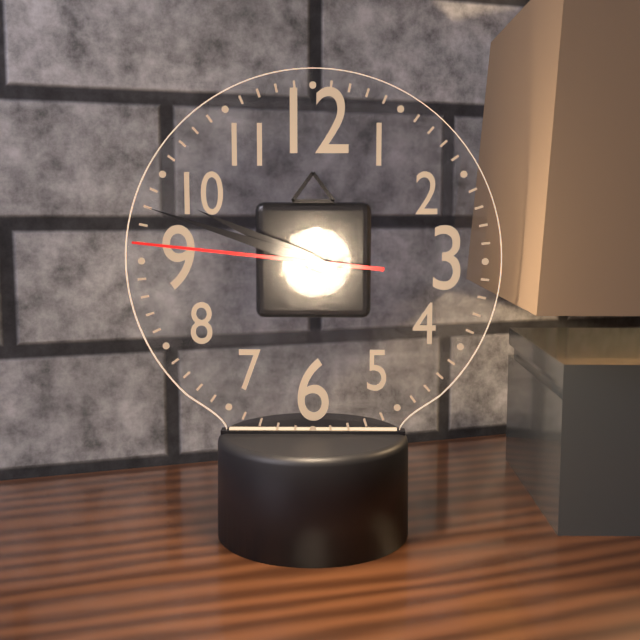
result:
9,48,46
